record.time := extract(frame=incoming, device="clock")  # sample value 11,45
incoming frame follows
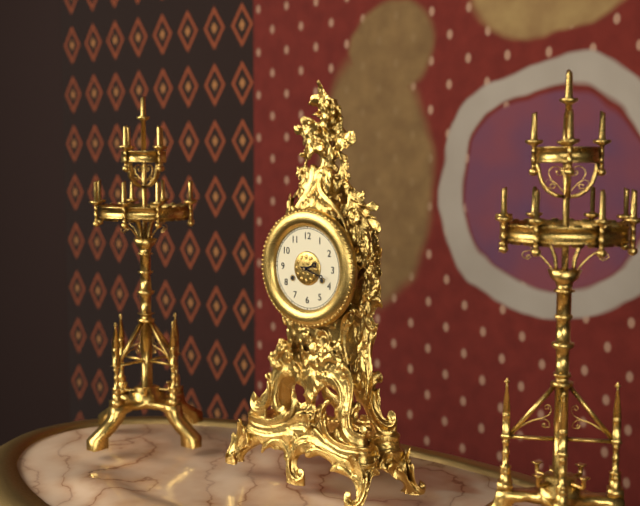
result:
2,18
